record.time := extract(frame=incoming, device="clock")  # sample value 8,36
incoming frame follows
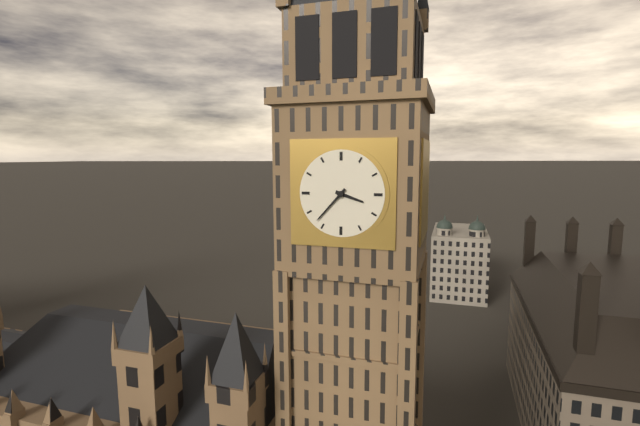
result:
3,37
